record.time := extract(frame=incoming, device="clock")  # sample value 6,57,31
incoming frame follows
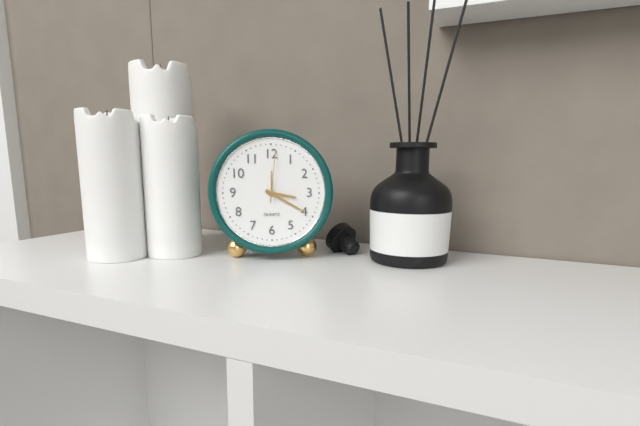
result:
3,20,01
